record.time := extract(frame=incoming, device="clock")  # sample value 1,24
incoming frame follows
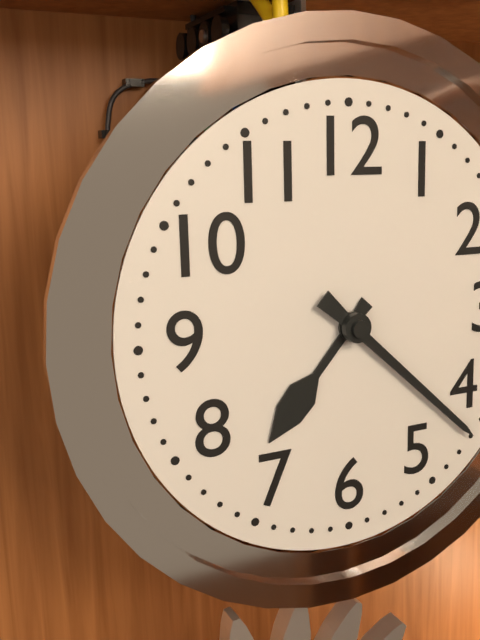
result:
7,22
